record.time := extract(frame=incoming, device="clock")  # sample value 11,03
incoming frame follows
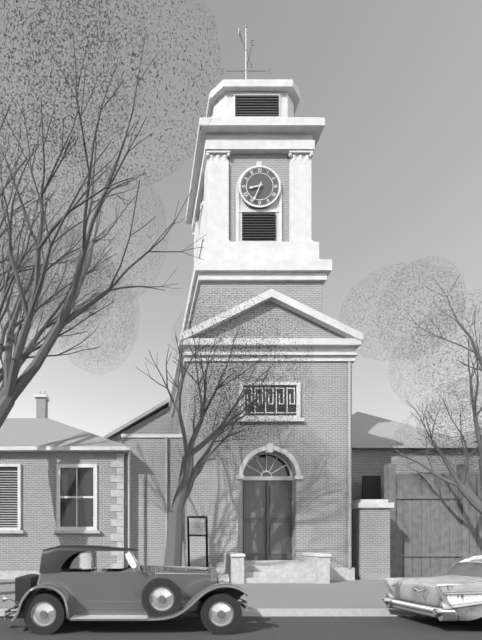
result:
8,34
